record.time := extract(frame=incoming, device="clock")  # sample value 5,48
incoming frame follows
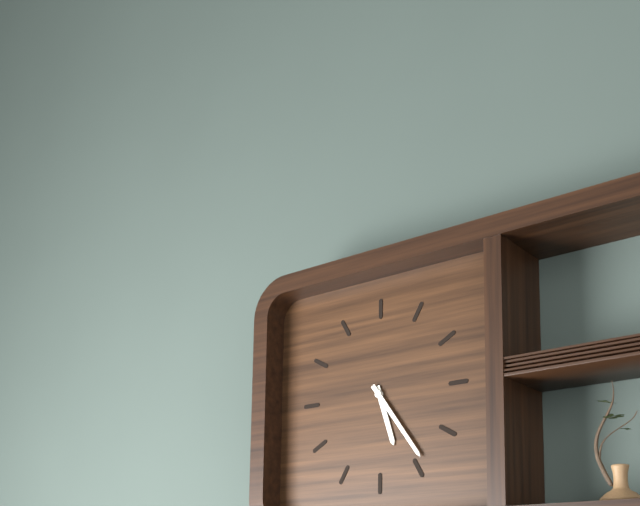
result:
5,24
